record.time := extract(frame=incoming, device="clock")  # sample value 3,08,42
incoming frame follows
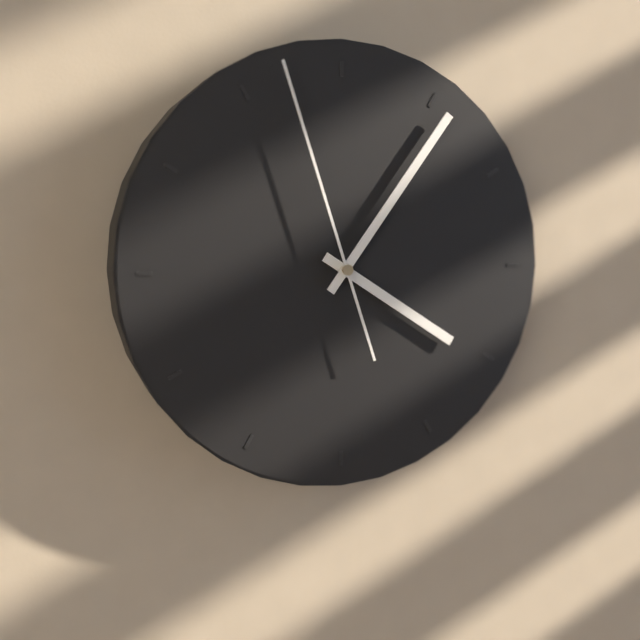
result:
4,06,57
